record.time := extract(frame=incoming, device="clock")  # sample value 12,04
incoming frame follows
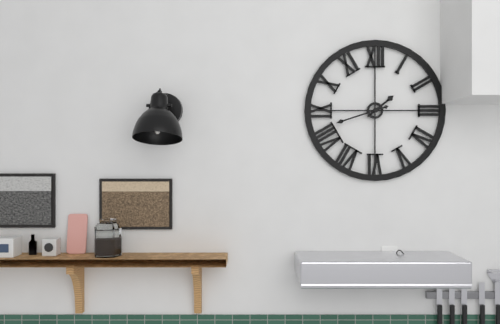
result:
1,42
